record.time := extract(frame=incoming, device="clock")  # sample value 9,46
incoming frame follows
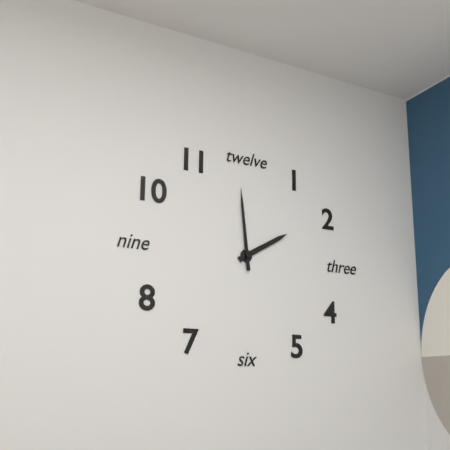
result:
1,59
